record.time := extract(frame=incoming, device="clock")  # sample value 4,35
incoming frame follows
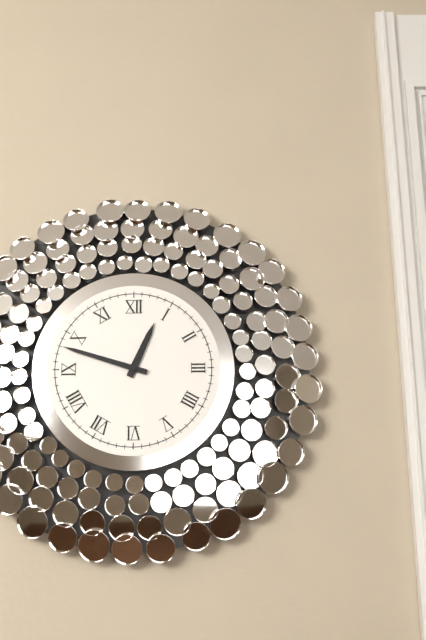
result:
12,48
